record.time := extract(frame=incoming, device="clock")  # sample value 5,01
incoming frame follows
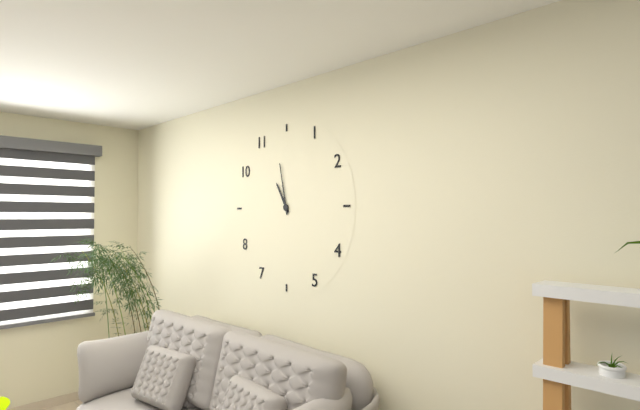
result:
10,58
